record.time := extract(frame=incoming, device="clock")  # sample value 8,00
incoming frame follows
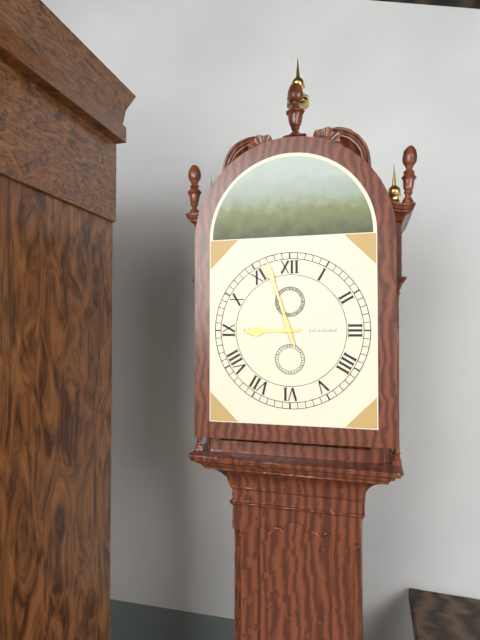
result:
8,57
